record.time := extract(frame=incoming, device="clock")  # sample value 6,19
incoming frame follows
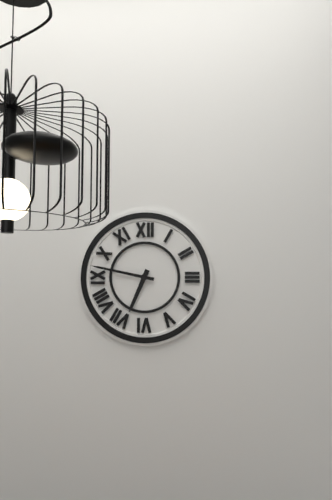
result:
6,47
